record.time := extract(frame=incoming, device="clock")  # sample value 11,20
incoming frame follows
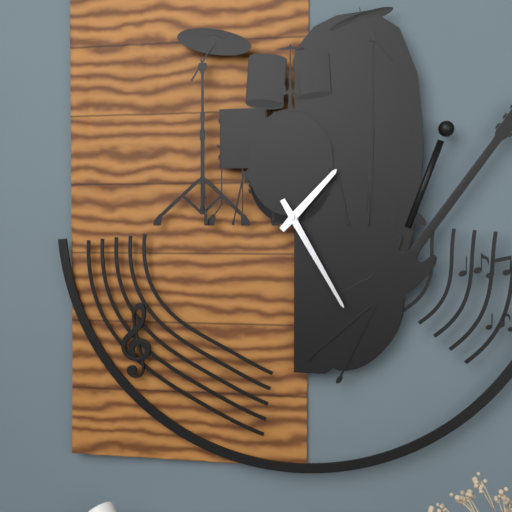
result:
1,25
